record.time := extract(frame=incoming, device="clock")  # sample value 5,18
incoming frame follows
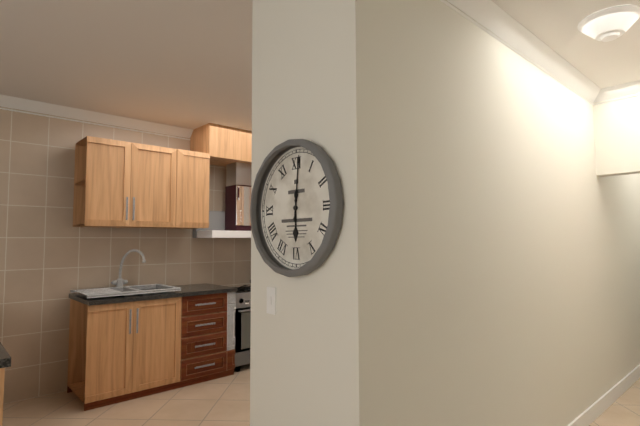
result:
6,01
